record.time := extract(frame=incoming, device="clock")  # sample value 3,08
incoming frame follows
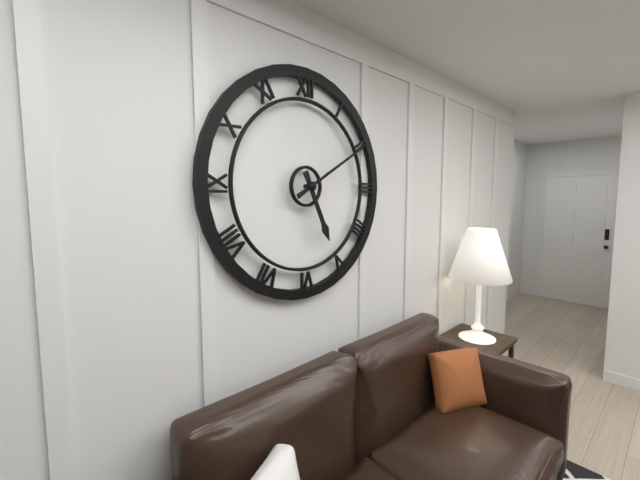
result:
5,10
